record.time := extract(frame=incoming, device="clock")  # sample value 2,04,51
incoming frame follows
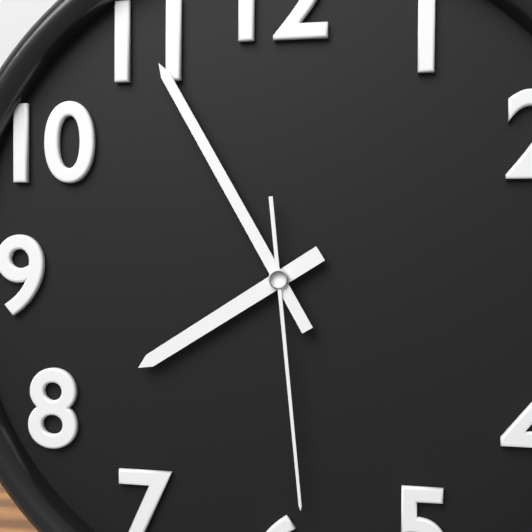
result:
7,55,29
